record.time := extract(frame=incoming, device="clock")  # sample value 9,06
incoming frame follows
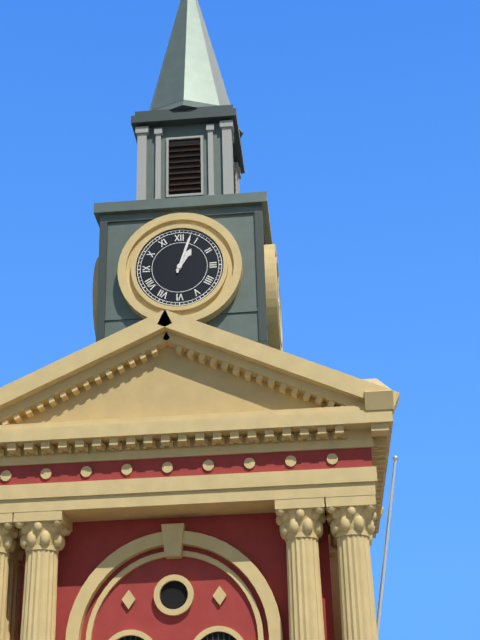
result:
1,03
